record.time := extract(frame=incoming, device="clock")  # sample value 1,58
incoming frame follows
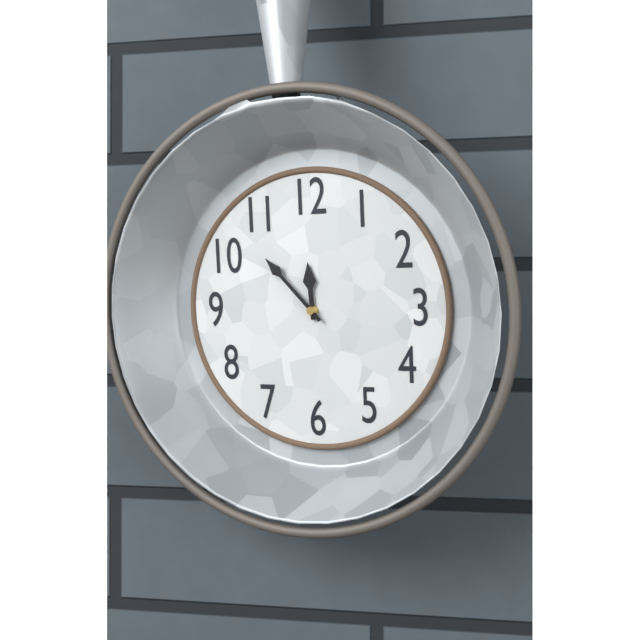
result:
11,53
